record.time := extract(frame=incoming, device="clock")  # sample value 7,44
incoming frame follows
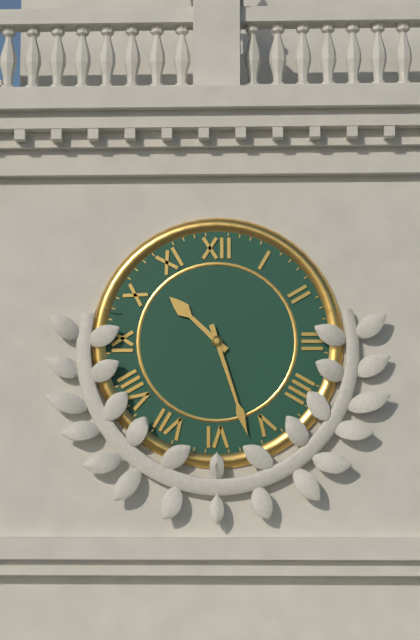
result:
10,27
